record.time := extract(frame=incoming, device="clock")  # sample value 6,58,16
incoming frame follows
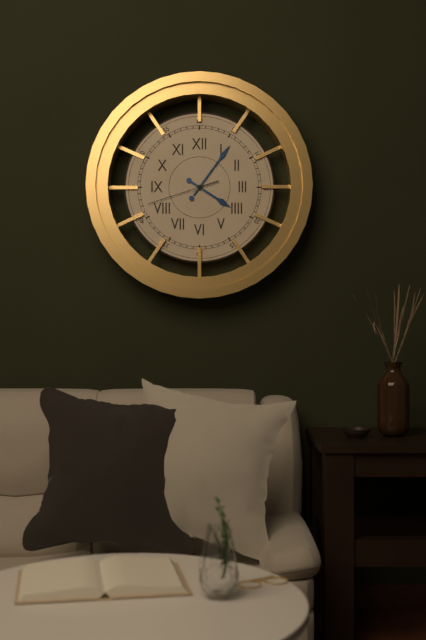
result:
4,06,42
